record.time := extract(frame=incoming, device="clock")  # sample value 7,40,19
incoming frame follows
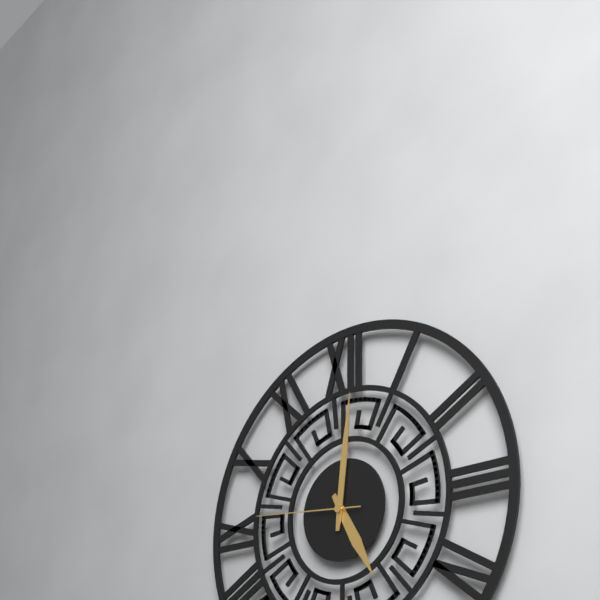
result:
5,01,46
